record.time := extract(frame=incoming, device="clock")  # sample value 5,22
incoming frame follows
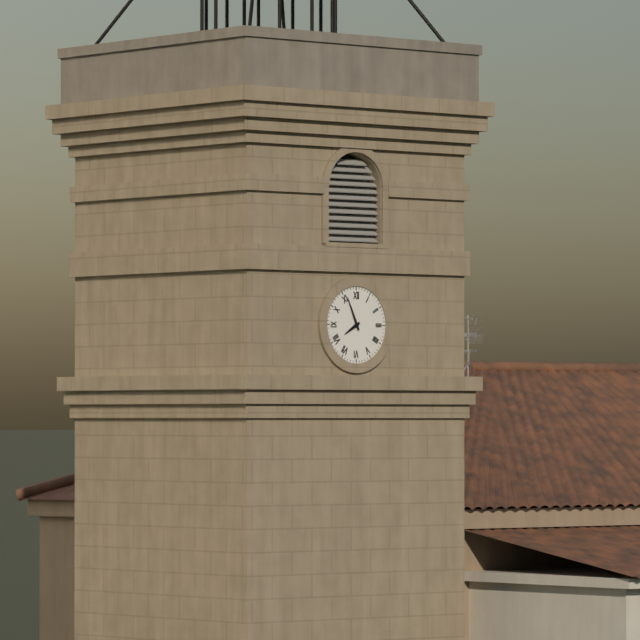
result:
7,56
